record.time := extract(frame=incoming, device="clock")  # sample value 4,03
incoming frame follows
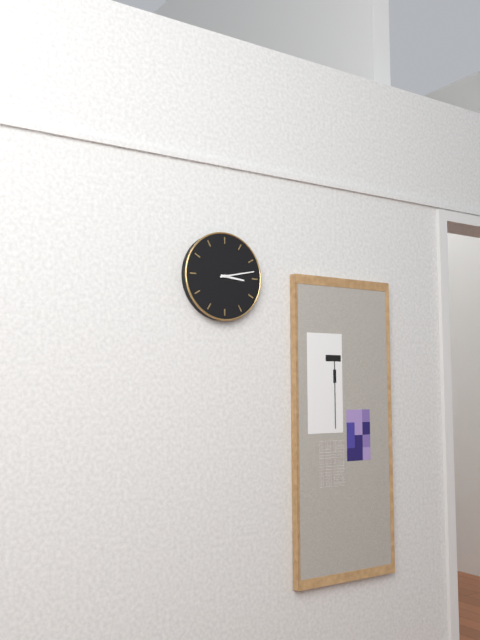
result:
3,13
